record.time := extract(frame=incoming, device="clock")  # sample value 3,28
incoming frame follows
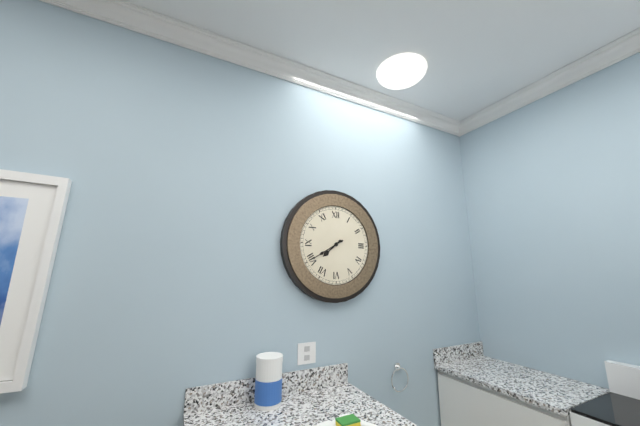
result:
7,40
